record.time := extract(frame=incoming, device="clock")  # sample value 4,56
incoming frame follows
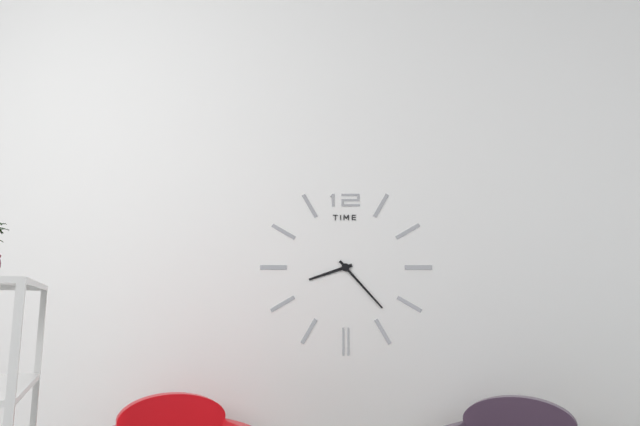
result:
8,23
